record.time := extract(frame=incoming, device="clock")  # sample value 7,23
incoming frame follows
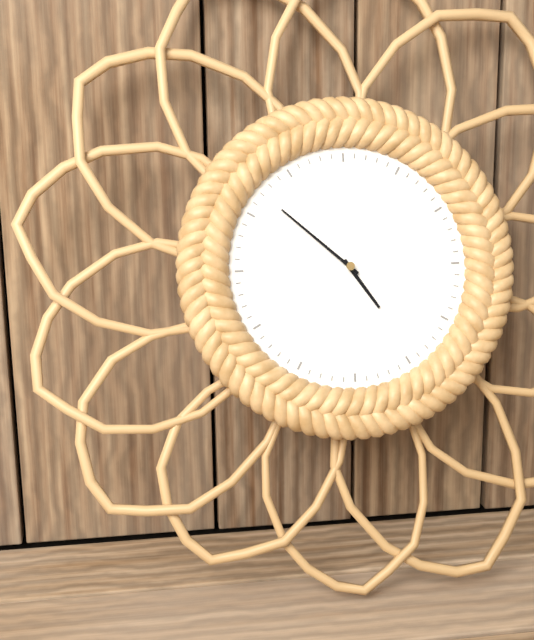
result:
4,52
